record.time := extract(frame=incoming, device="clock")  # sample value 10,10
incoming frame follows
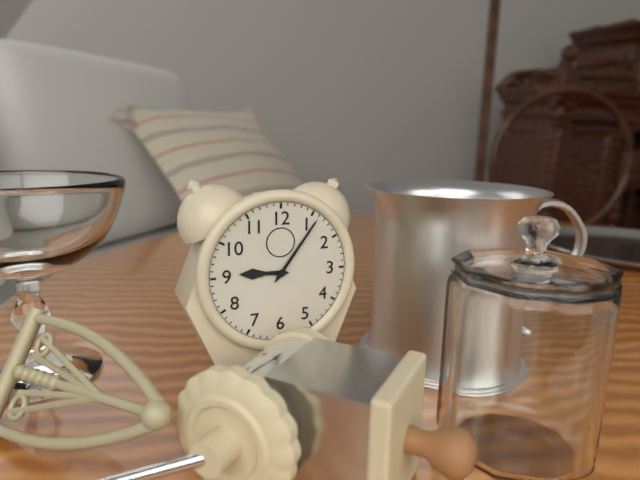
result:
9,06
